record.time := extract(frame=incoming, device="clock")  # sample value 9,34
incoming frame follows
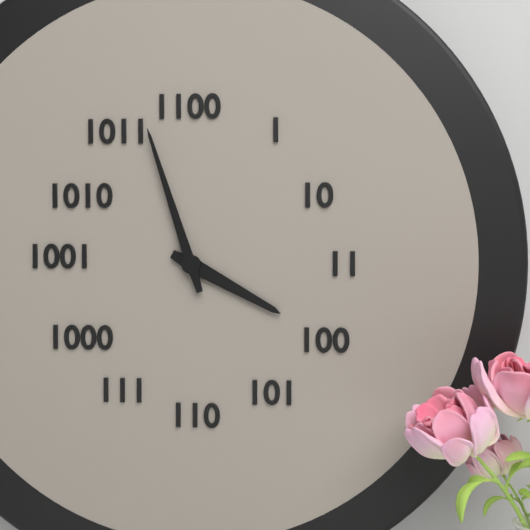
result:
3,57
